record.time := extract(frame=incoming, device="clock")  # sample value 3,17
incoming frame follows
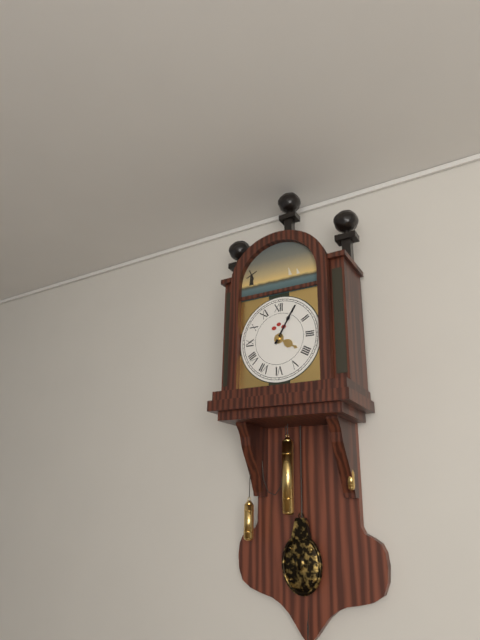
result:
4,05
